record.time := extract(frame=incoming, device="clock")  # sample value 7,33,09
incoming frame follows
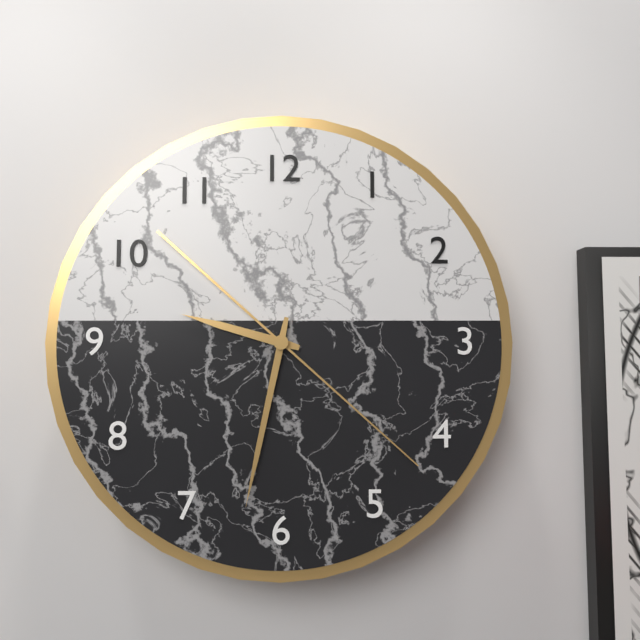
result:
9,32,22
